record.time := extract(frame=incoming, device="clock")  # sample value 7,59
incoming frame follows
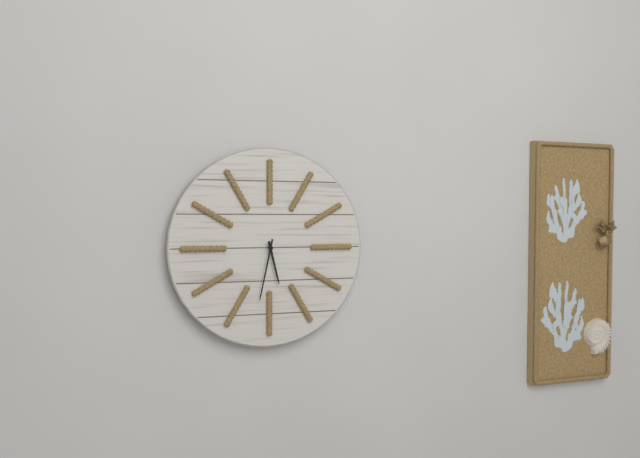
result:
5,32
